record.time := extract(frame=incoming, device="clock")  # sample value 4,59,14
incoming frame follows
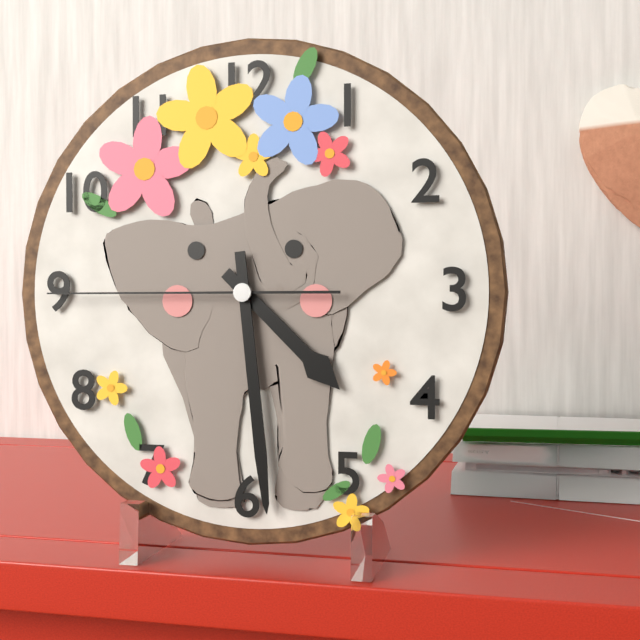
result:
4,29,45
